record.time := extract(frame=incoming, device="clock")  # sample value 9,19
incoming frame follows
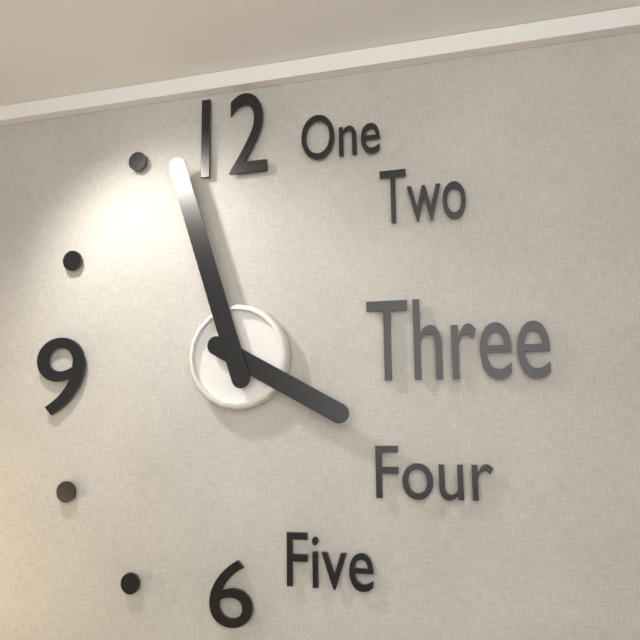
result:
3,57
